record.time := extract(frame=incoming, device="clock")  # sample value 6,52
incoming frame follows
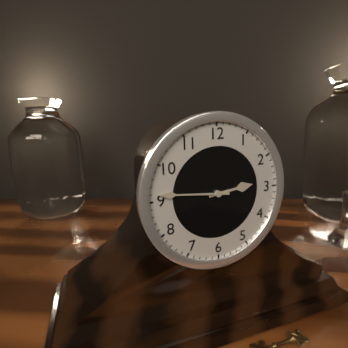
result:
2,46
